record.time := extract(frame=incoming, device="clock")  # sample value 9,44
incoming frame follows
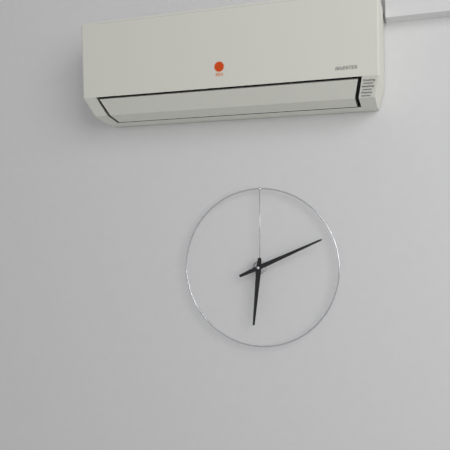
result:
6,11
